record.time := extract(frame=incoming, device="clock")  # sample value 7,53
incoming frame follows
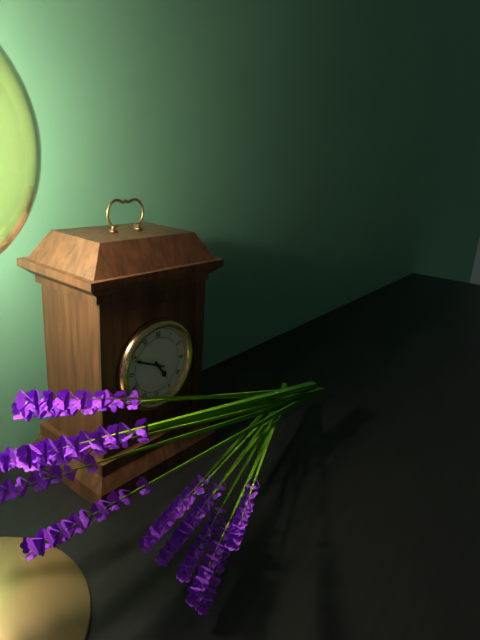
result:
4,49
